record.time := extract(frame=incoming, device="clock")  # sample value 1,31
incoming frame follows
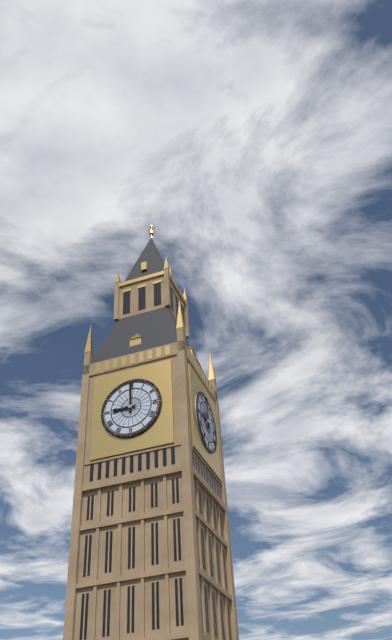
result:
9,00
